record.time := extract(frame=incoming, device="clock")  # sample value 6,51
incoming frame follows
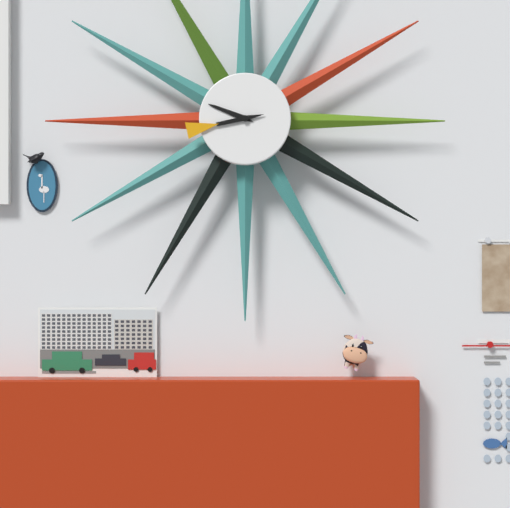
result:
9,43
